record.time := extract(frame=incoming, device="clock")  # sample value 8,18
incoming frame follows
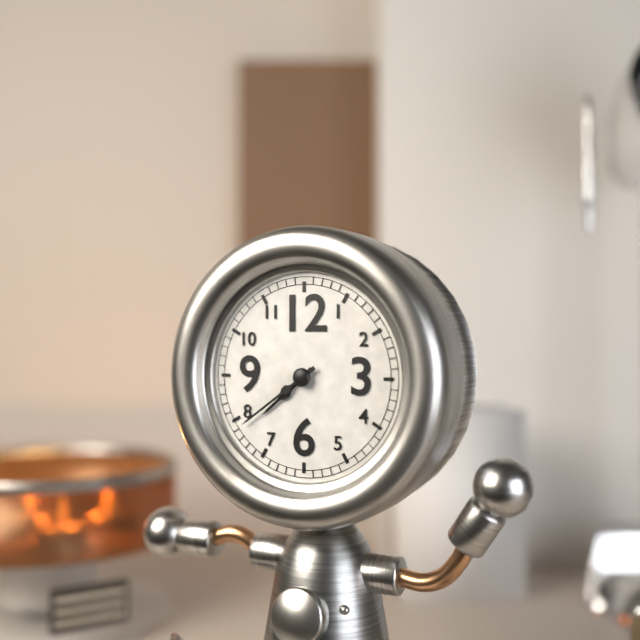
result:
7,39
